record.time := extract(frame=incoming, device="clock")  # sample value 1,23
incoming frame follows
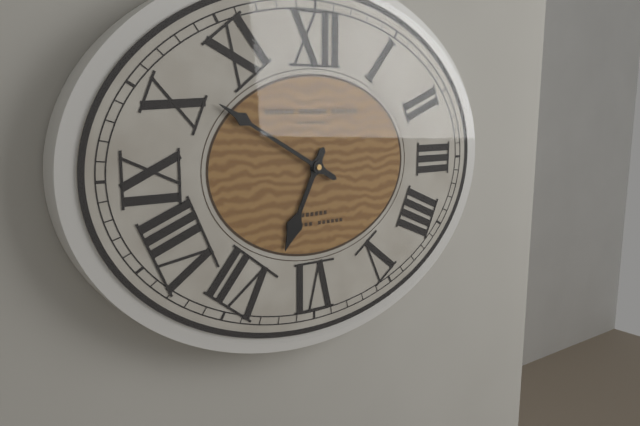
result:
6,50
